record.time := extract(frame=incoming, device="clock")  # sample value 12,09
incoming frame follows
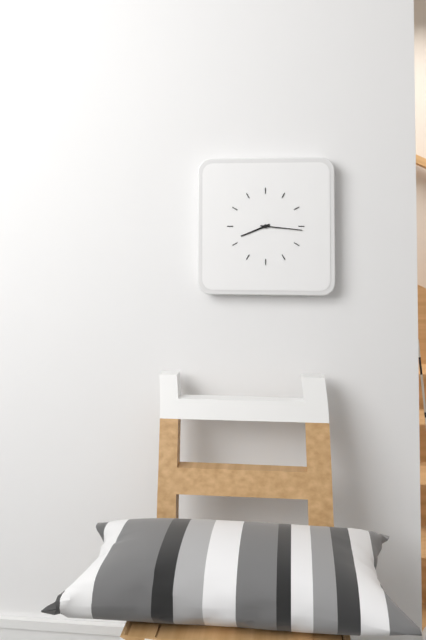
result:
8,16
